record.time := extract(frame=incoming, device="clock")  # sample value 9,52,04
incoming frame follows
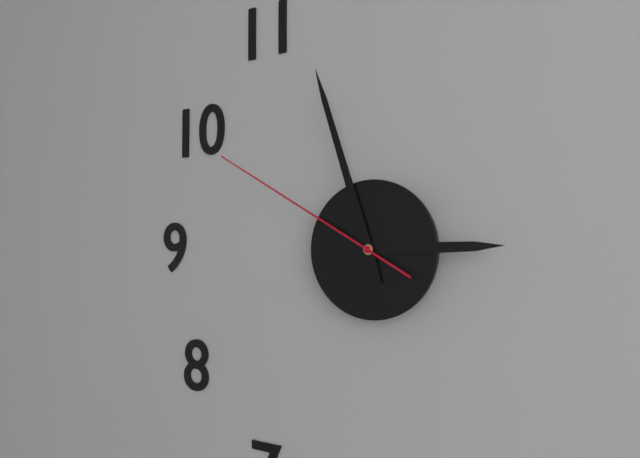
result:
2,57,50
